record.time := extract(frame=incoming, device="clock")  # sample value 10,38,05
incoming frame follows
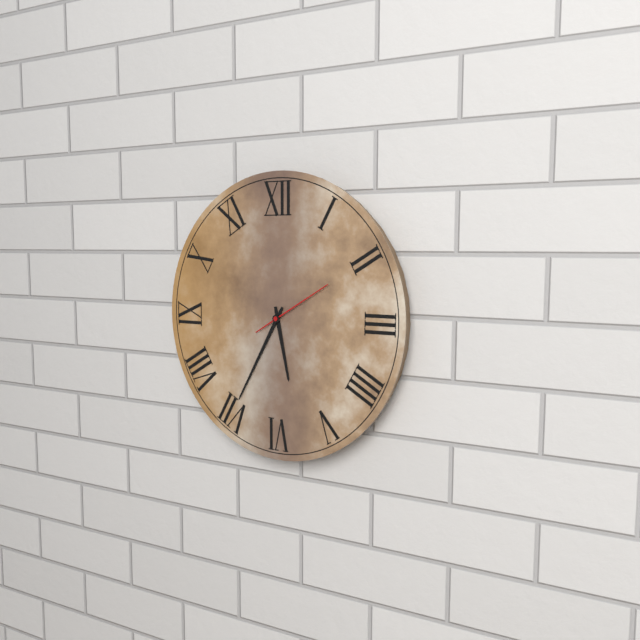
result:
5,35,10
